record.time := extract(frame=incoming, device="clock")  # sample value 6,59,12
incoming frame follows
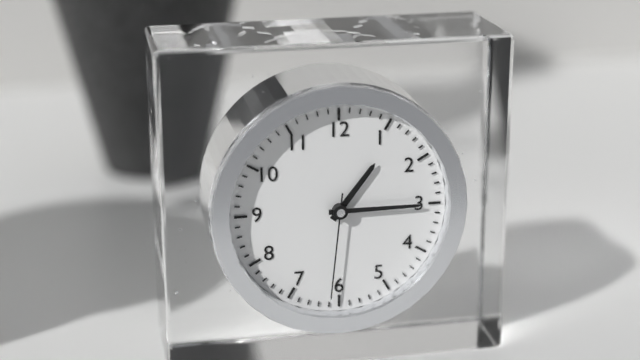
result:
1,15,31
